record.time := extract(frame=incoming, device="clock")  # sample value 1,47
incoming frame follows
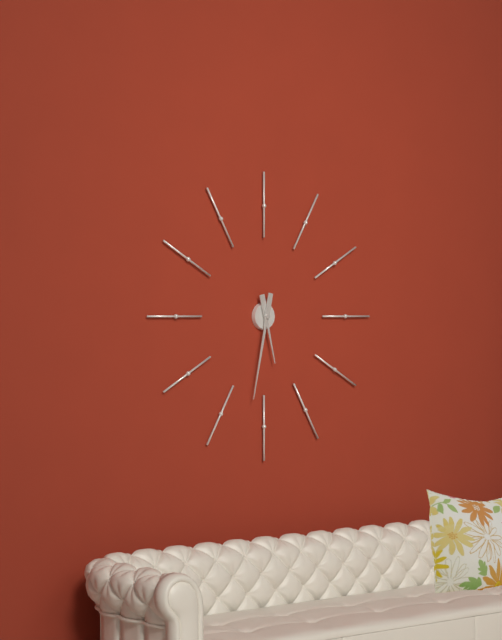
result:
5,32
